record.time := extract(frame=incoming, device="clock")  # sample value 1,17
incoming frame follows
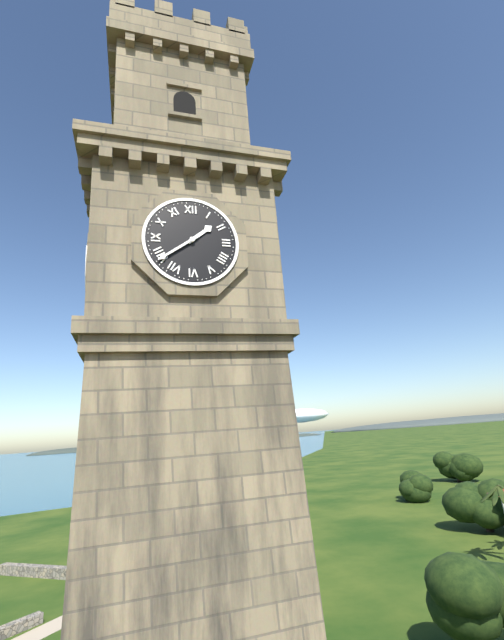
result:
1,39
